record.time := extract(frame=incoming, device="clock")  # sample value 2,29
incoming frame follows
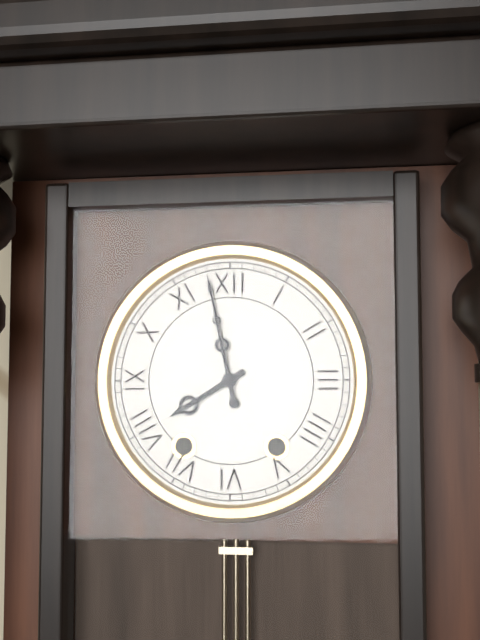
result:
7,58
